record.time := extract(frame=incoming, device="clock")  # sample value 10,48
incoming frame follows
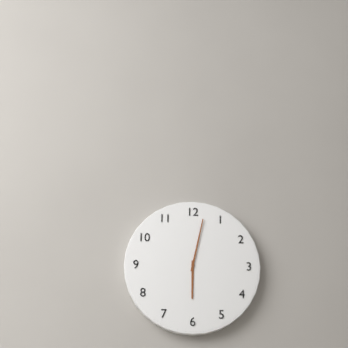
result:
6,02
